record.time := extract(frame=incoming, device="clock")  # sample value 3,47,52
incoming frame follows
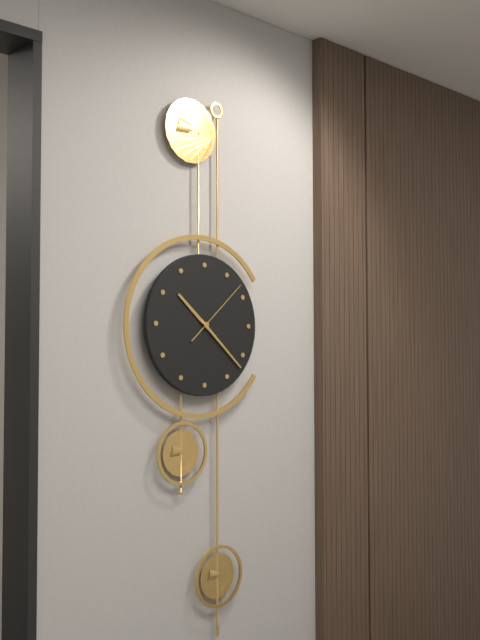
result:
10,22,08
